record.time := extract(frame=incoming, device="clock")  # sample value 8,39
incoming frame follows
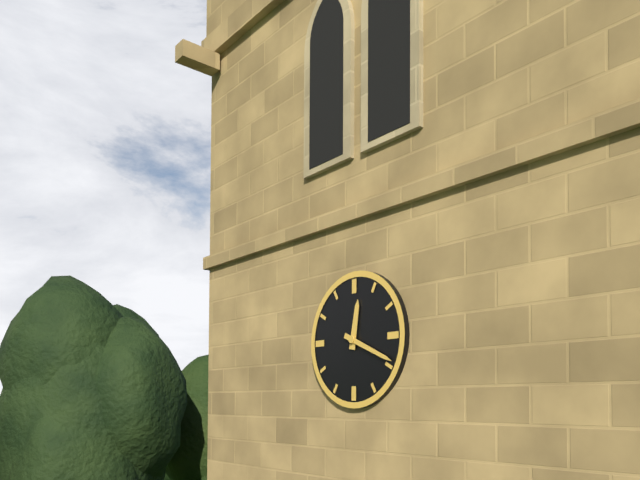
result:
12,19
